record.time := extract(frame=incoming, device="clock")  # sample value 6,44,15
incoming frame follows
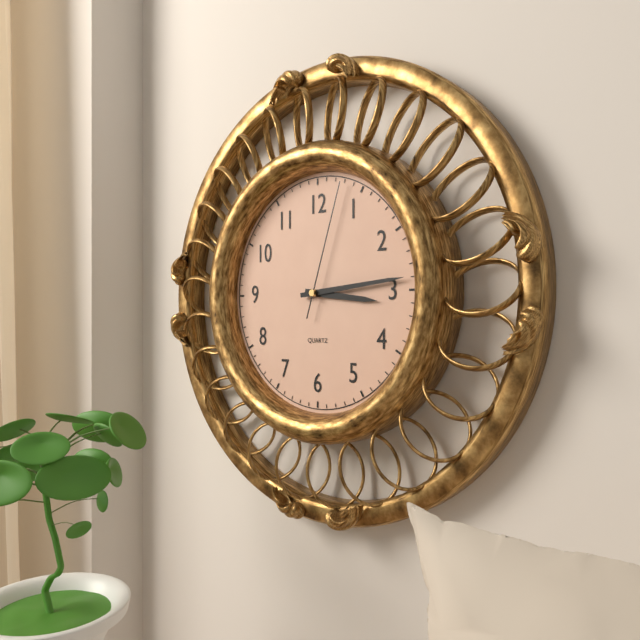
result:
3,14,03
